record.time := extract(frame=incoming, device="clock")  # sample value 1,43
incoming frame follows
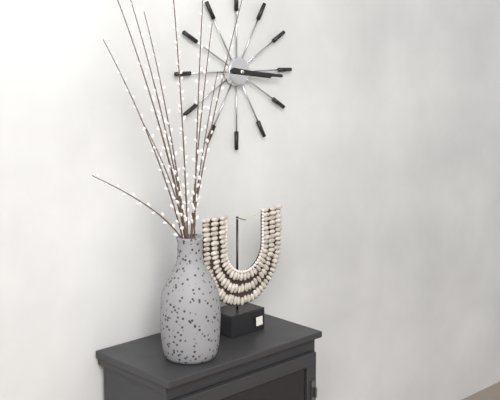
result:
3,16
